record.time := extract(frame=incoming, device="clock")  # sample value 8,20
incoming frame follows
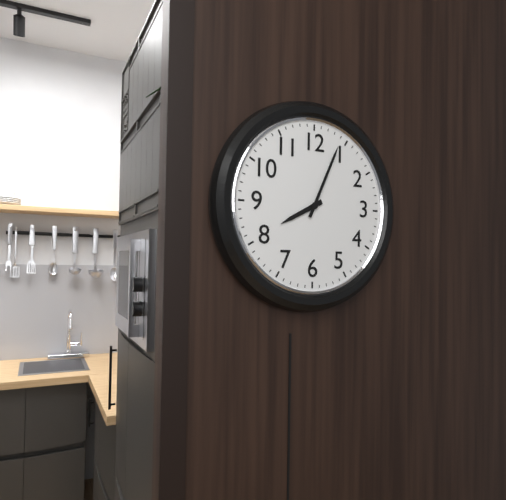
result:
8,04
